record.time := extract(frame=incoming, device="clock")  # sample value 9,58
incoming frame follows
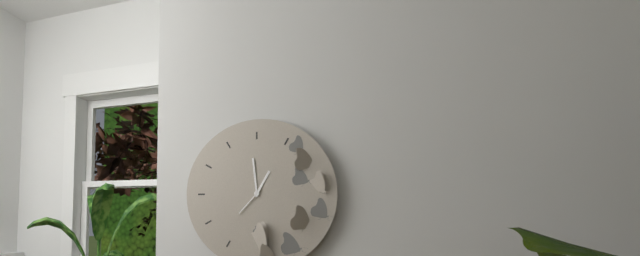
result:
12,59
